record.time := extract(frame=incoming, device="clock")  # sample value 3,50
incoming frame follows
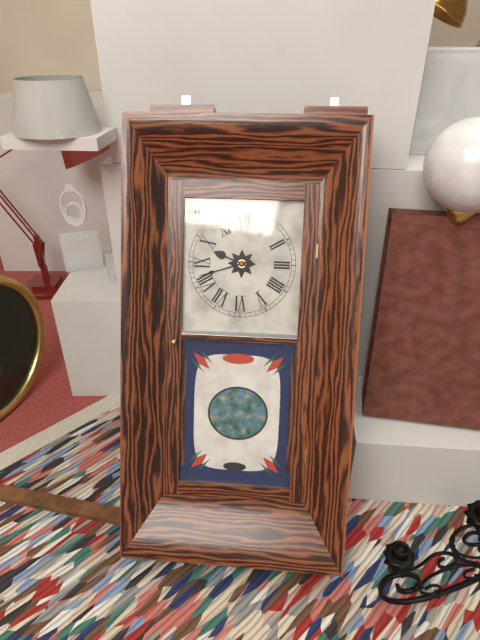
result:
9,42
